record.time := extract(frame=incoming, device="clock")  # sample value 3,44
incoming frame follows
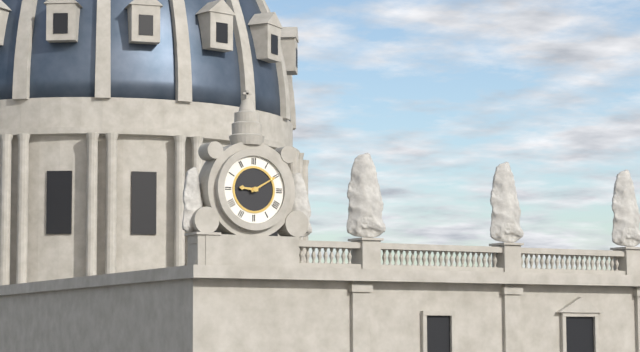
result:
9,10
